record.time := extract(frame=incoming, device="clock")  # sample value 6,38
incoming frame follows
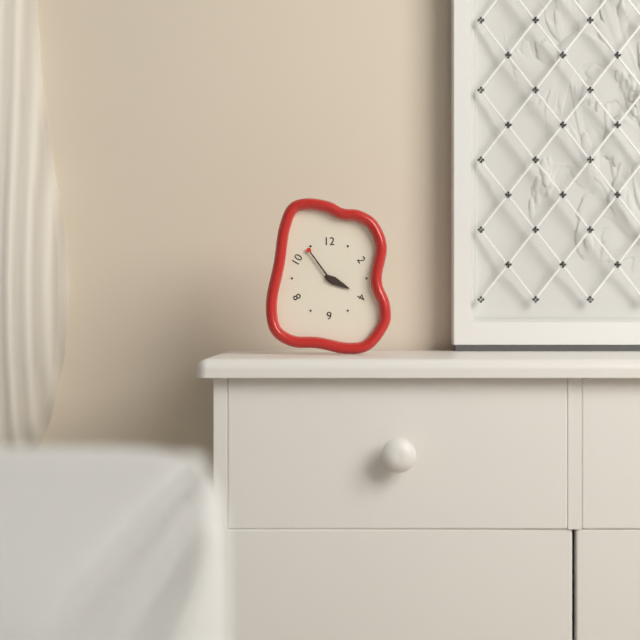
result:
3,54
